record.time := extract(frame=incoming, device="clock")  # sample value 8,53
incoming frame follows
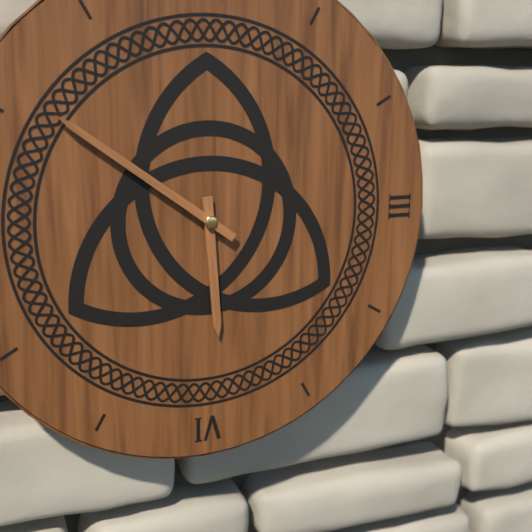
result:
5,51
